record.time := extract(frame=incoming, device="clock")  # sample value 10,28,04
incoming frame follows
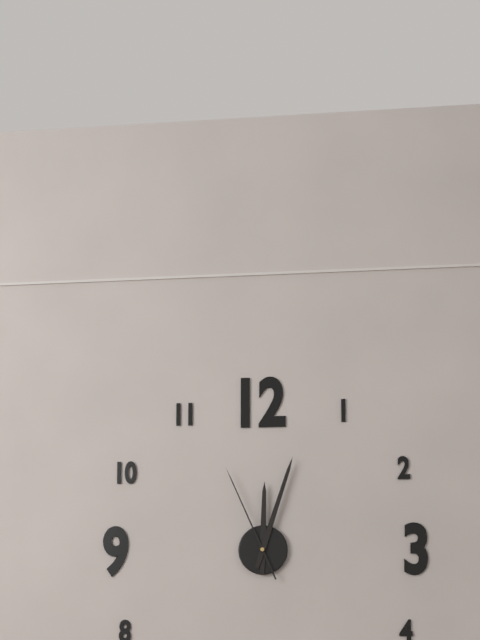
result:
12,03,56
